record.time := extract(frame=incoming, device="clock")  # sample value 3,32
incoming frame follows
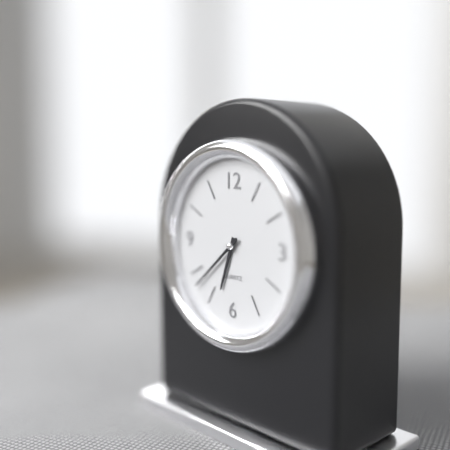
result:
6,38
